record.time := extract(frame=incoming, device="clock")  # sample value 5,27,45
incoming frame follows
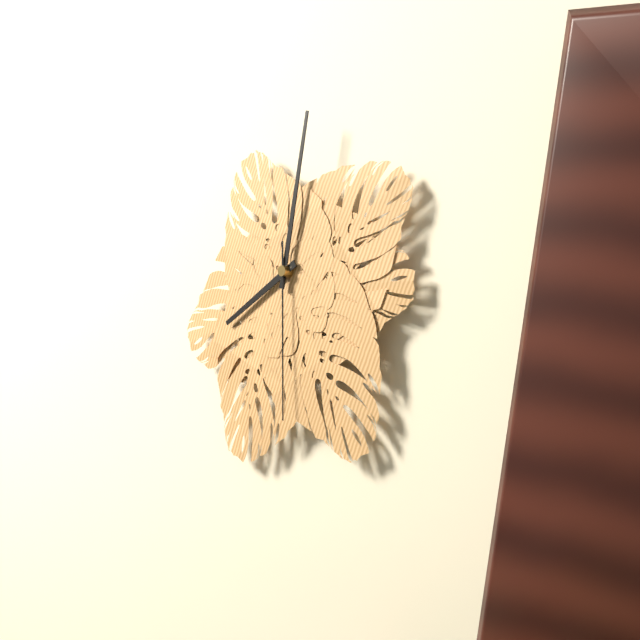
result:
8,02,30
